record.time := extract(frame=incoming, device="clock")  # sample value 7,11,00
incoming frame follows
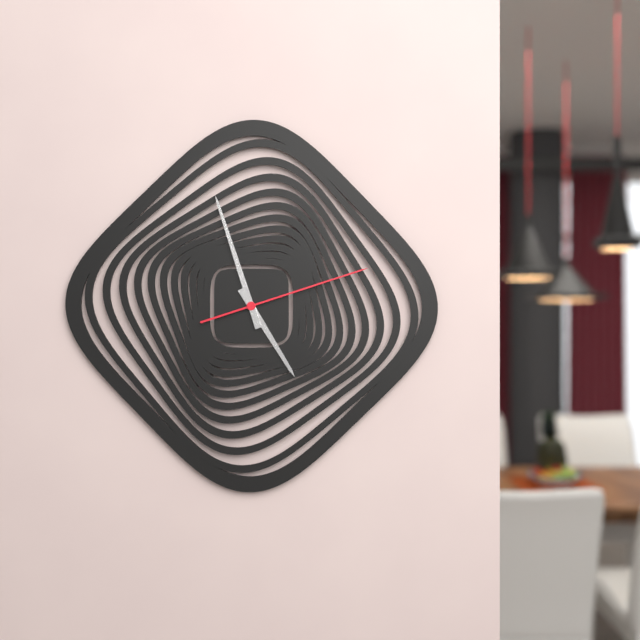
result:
4,57,12
